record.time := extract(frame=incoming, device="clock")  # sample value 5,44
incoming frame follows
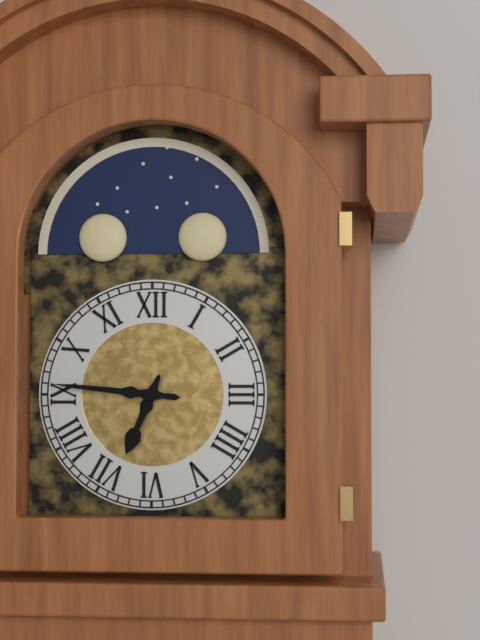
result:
6,46
